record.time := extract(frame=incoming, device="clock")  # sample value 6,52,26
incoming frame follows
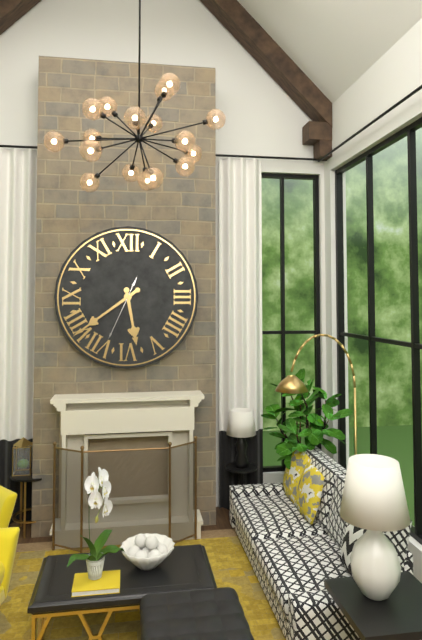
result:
5,39,34
